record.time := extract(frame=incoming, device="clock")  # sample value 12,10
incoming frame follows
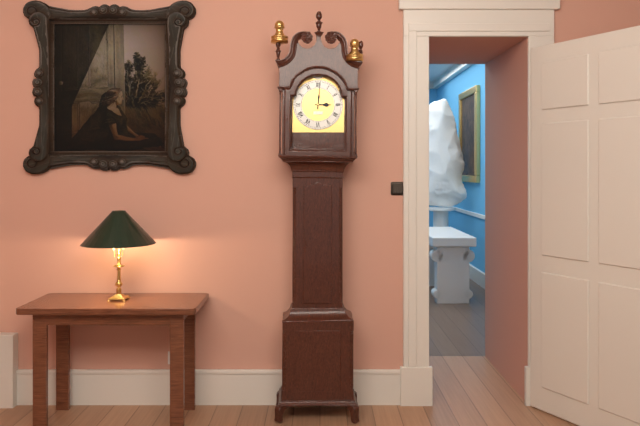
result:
3,01
